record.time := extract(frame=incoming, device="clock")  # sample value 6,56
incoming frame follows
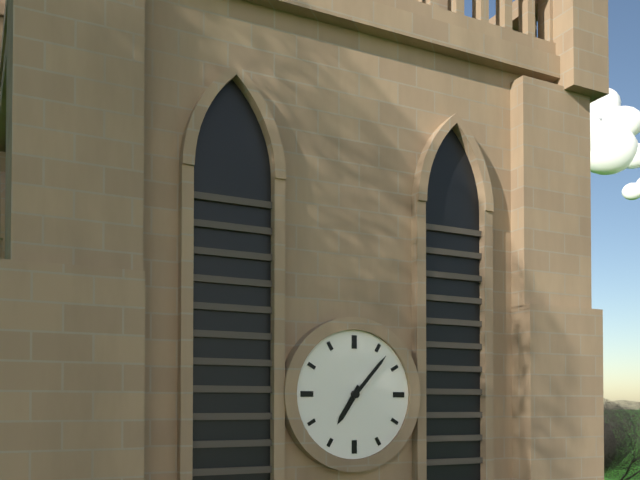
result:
7,07
